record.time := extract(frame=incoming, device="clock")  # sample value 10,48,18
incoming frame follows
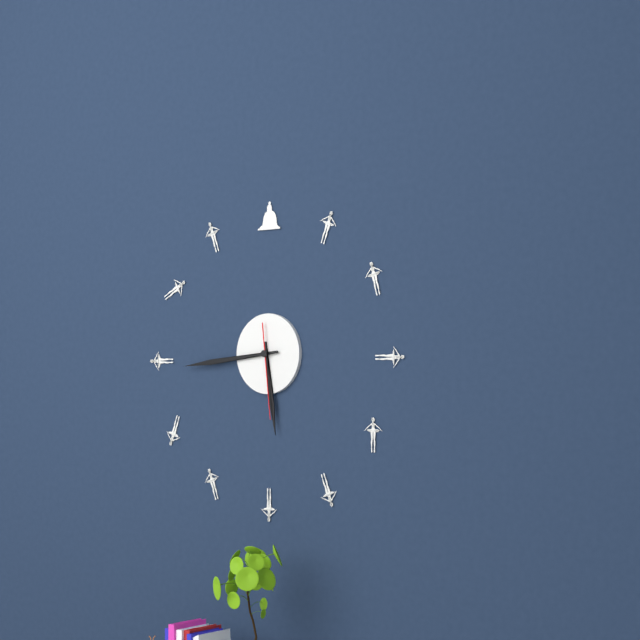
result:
5,44,29
